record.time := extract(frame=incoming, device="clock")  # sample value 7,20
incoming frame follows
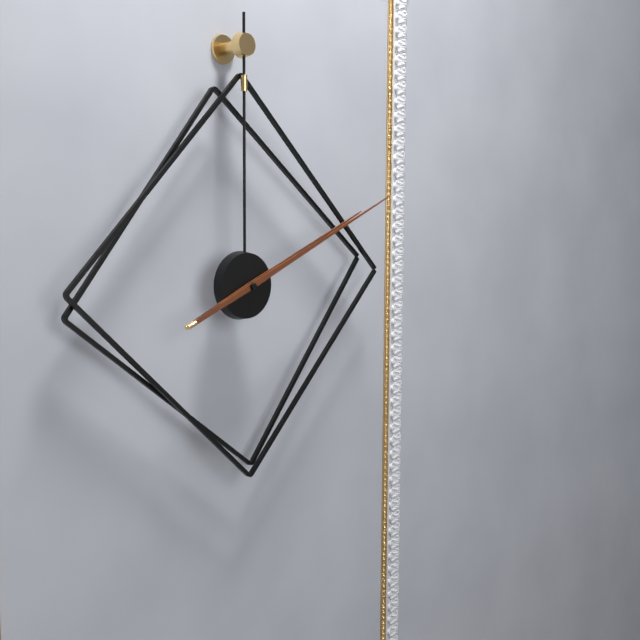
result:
2,11
